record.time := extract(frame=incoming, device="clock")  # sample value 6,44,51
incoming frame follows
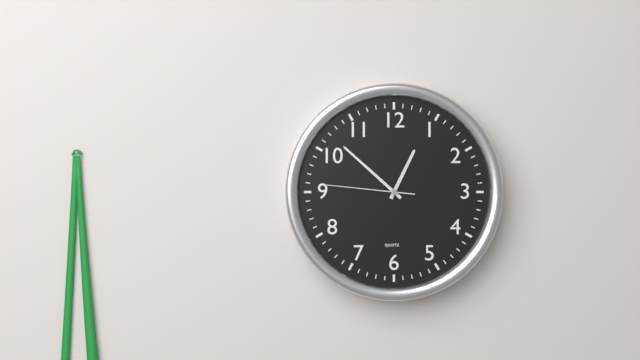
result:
12,52,46
